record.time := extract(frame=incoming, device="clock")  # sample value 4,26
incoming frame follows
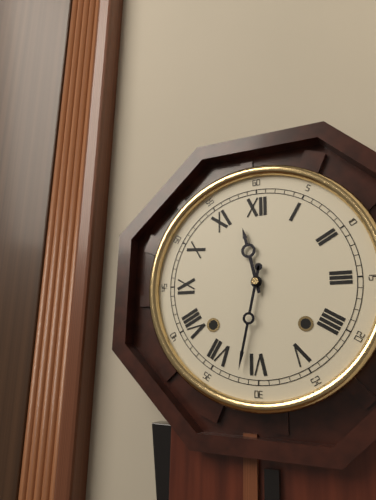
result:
11,32
